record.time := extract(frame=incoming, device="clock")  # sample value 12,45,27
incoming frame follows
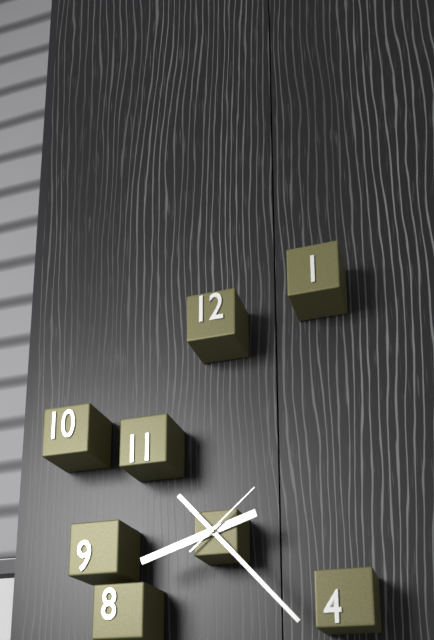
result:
8,23,08
